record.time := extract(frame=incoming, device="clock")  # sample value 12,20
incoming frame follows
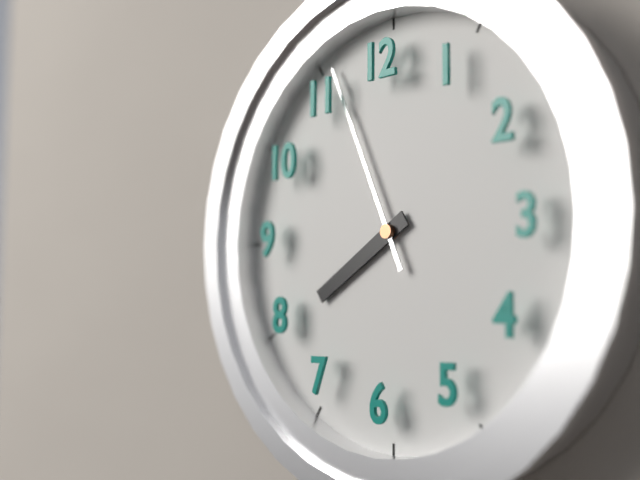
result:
7,56
